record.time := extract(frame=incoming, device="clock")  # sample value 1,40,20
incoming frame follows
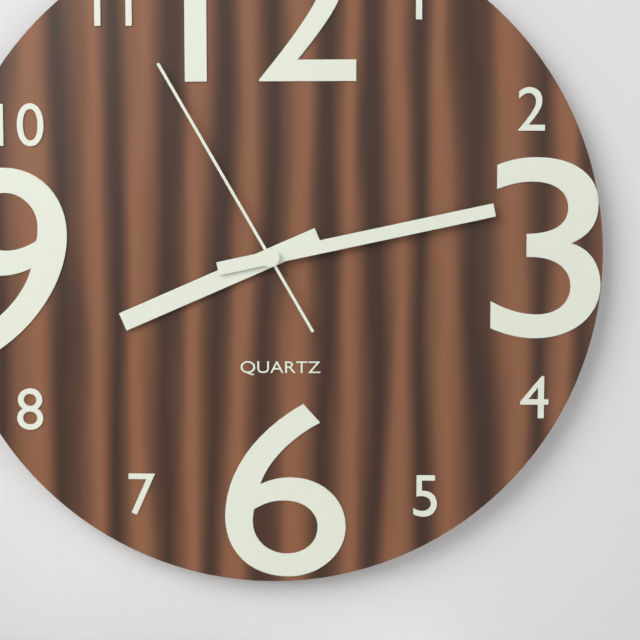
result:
8,13,55
